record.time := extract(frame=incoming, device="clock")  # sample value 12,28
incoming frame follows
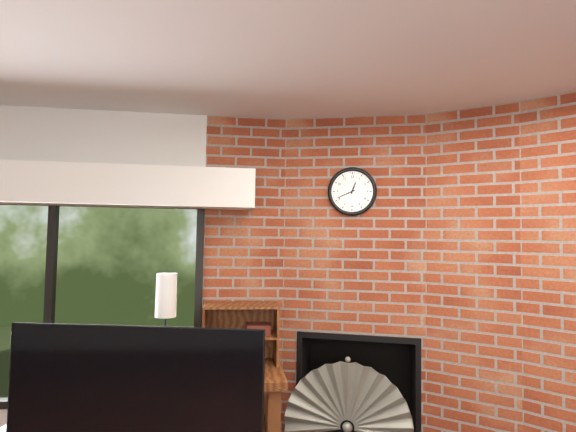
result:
12,41
